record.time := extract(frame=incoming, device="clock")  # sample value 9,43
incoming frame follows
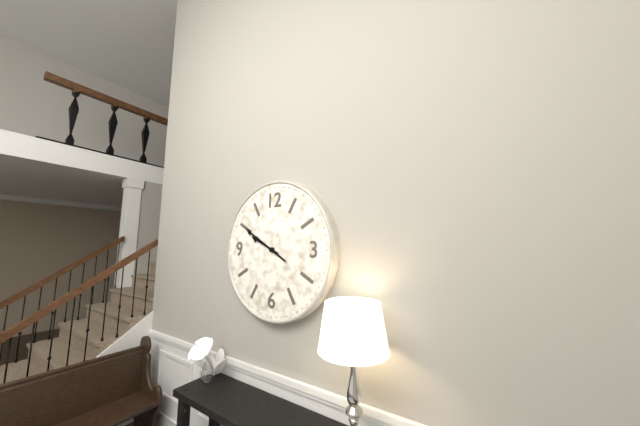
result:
9,50
